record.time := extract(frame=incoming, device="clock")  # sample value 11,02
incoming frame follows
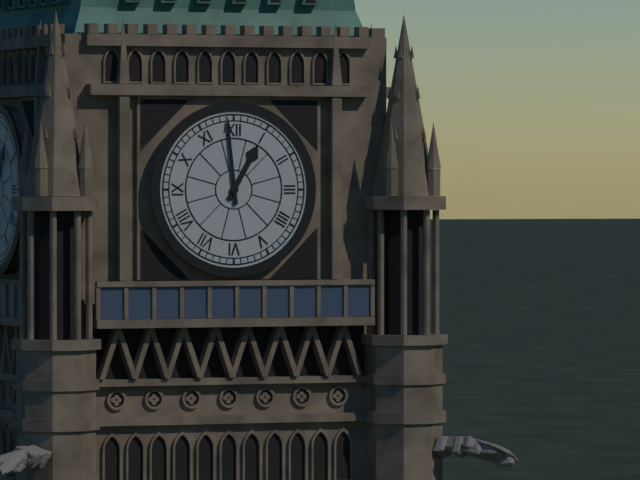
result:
12,59
